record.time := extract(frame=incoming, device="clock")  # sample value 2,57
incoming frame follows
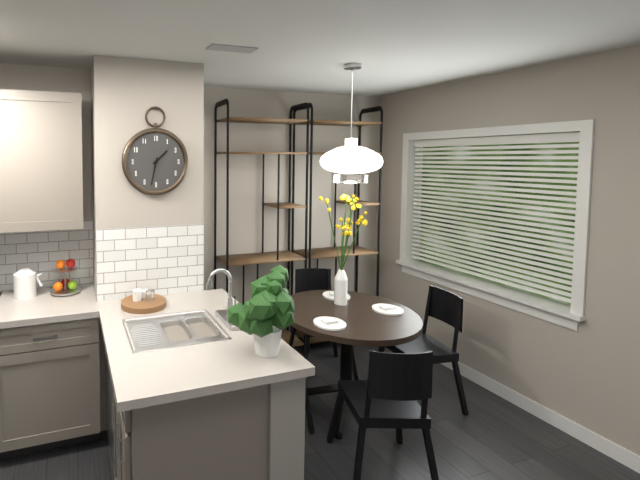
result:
1,32
